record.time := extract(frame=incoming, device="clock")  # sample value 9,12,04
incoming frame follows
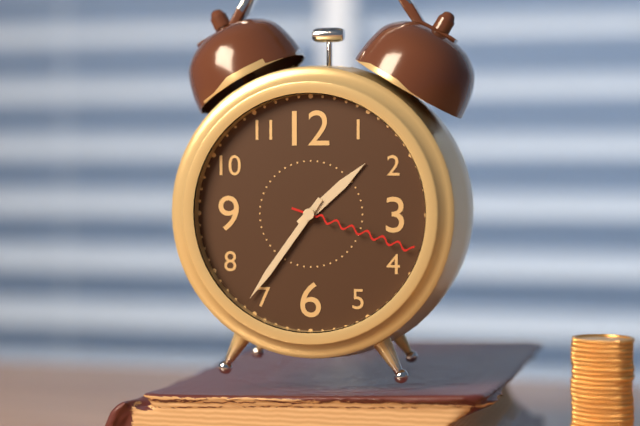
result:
1,36,18
